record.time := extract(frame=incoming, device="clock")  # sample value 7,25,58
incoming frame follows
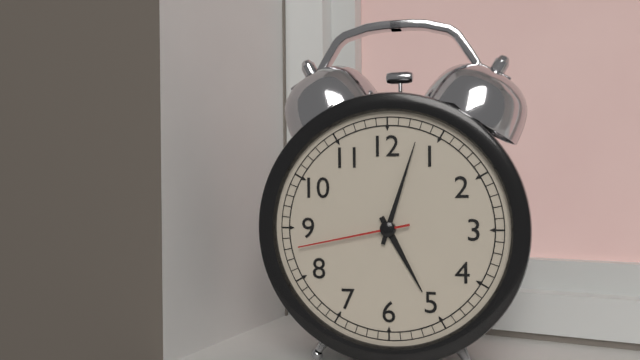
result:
5,03,43
